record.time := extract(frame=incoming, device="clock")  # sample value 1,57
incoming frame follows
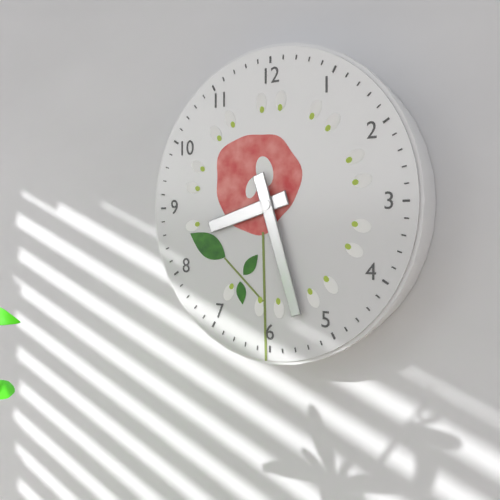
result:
8,27
